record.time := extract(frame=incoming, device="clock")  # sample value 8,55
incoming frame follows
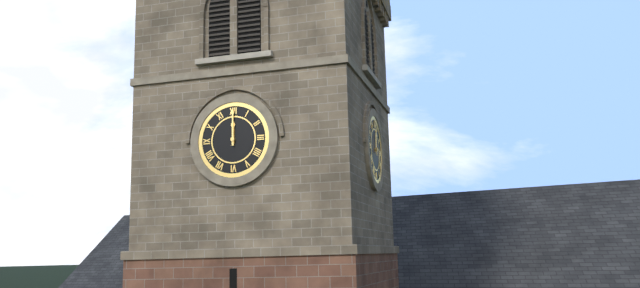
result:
12,00
